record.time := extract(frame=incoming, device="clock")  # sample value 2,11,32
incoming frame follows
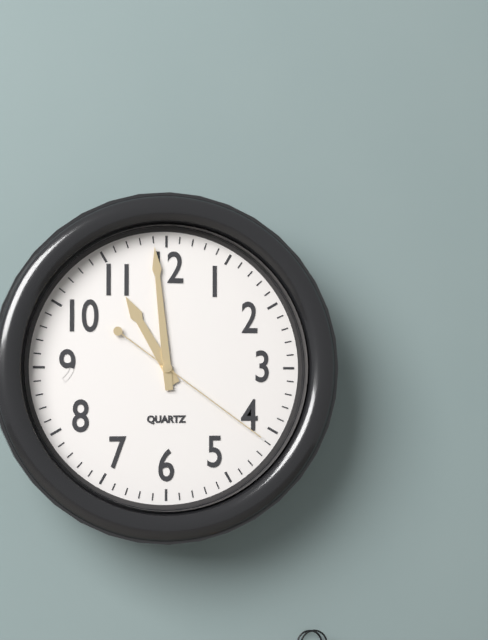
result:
10,59,21
